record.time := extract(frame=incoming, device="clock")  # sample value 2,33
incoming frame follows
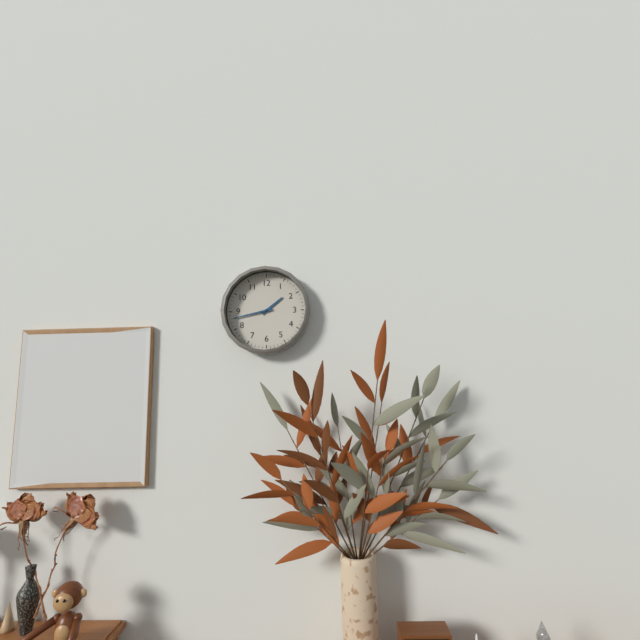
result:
1,43
